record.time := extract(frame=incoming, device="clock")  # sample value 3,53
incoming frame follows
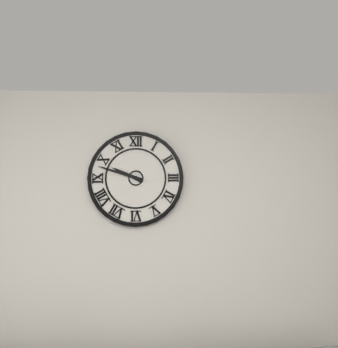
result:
9,48
